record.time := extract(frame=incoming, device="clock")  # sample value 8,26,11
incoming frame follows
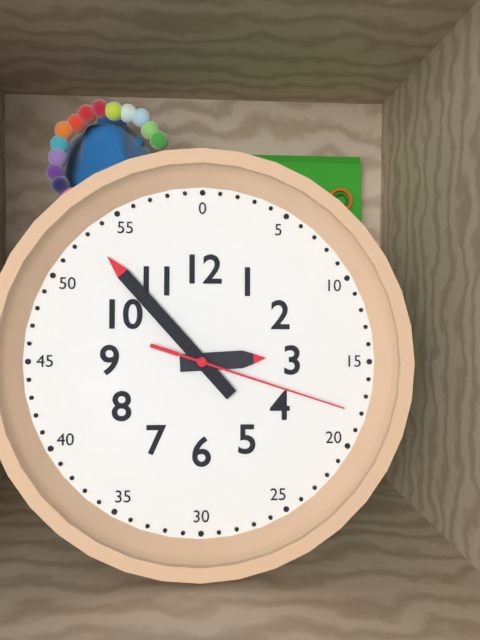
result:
2,53,18
